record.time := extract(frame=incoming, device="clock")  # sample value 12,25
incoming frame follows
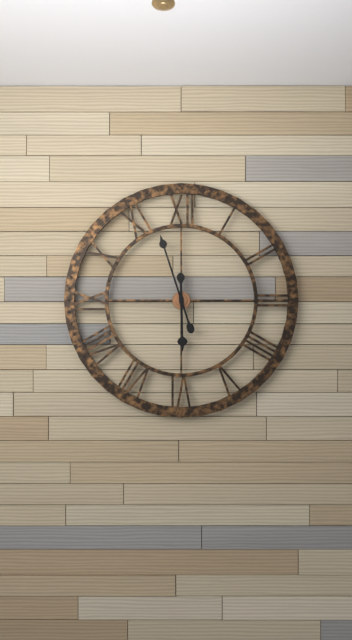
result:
5,57
